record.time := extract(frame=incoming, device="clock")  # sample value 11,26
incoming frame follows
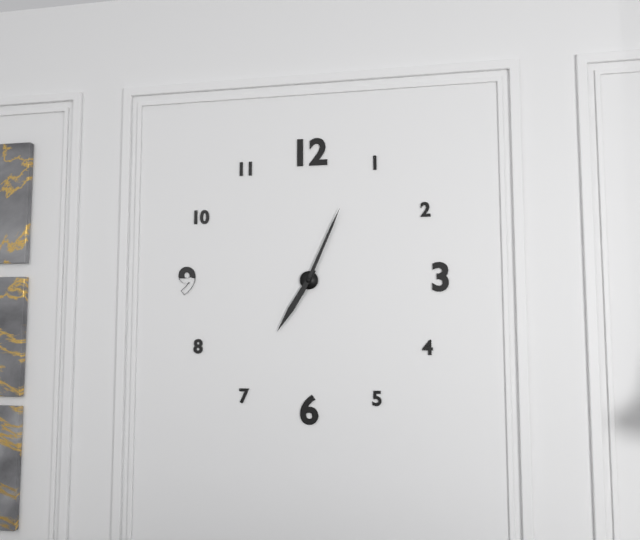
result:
7,04
